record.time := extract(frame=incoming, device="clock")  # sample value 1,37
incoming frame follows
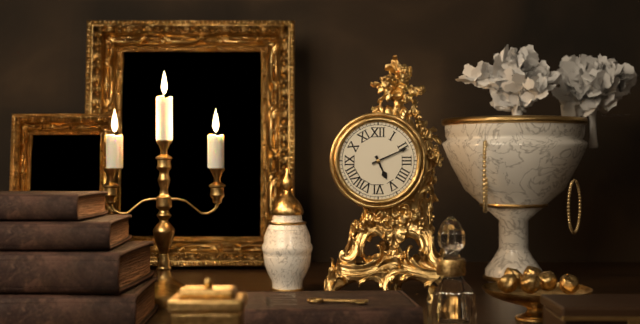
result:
5,11
